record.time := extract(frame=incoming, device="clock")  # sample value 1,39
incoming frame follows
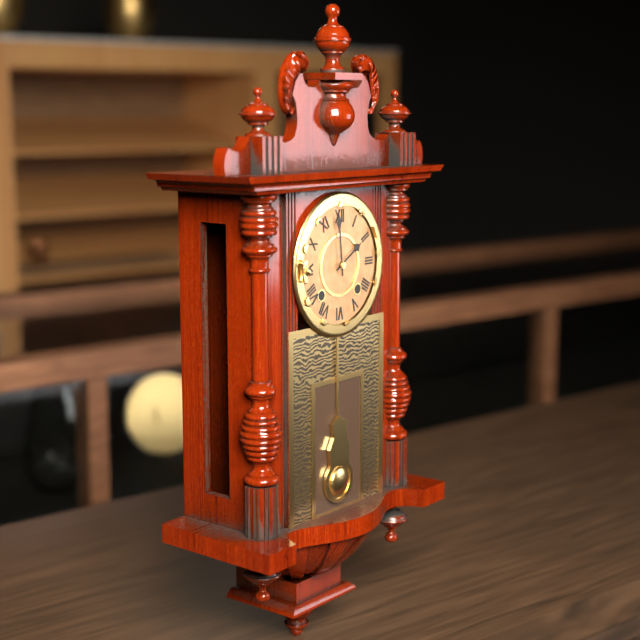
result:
1,59
